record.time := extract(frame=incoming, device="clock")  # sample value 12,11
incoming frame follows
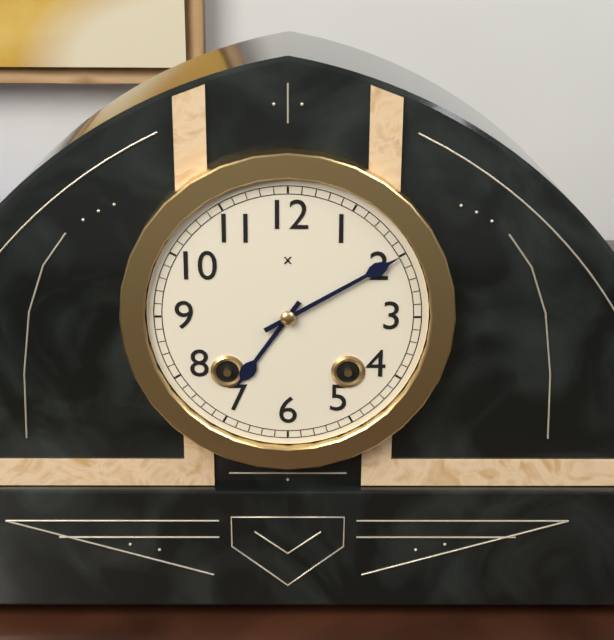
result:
7,10
